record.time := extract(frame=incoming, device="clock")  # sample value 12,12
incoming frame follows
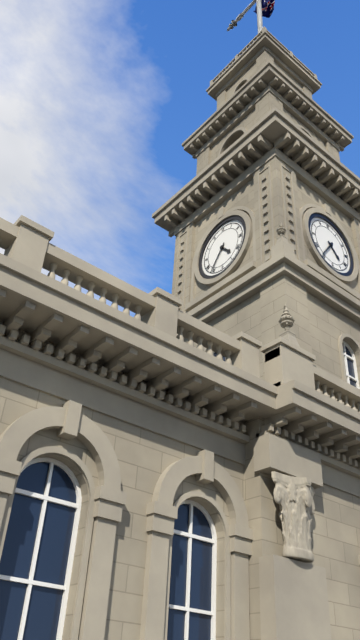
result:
4,36
